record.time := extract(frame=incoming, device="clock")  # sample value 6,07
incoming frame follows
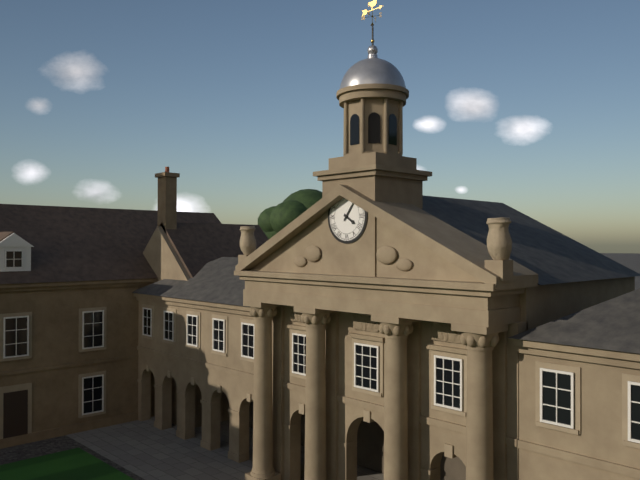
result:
4,06
